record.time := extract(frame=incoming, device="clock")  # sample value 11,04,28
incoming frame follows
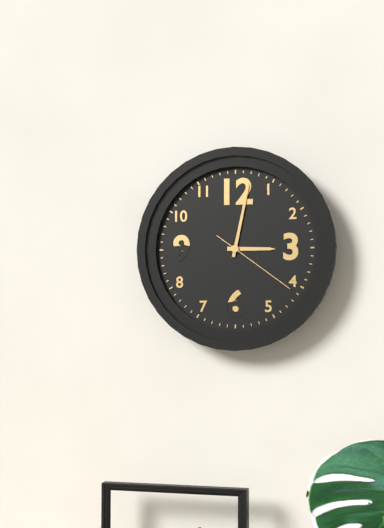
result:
3,02,21
